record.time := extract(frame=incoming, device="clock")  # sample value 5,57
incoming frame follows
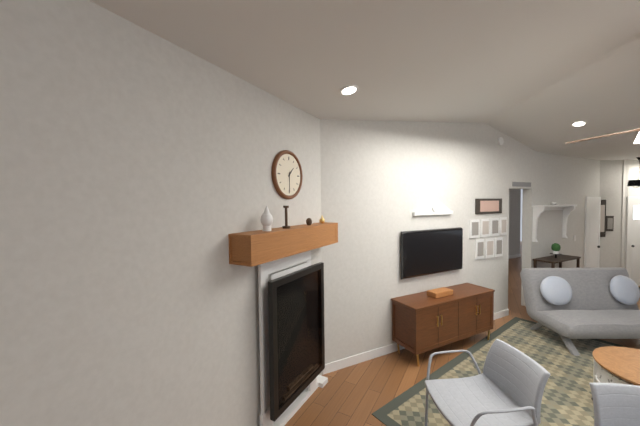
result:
1,30
